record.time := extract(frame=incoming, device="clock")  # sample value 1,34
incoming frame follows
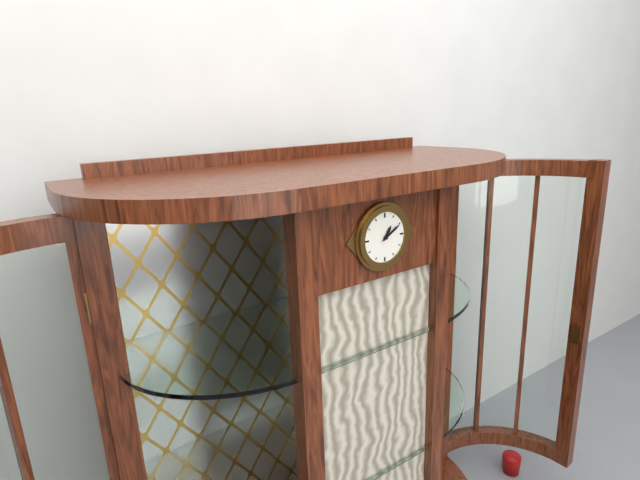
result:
1,10
